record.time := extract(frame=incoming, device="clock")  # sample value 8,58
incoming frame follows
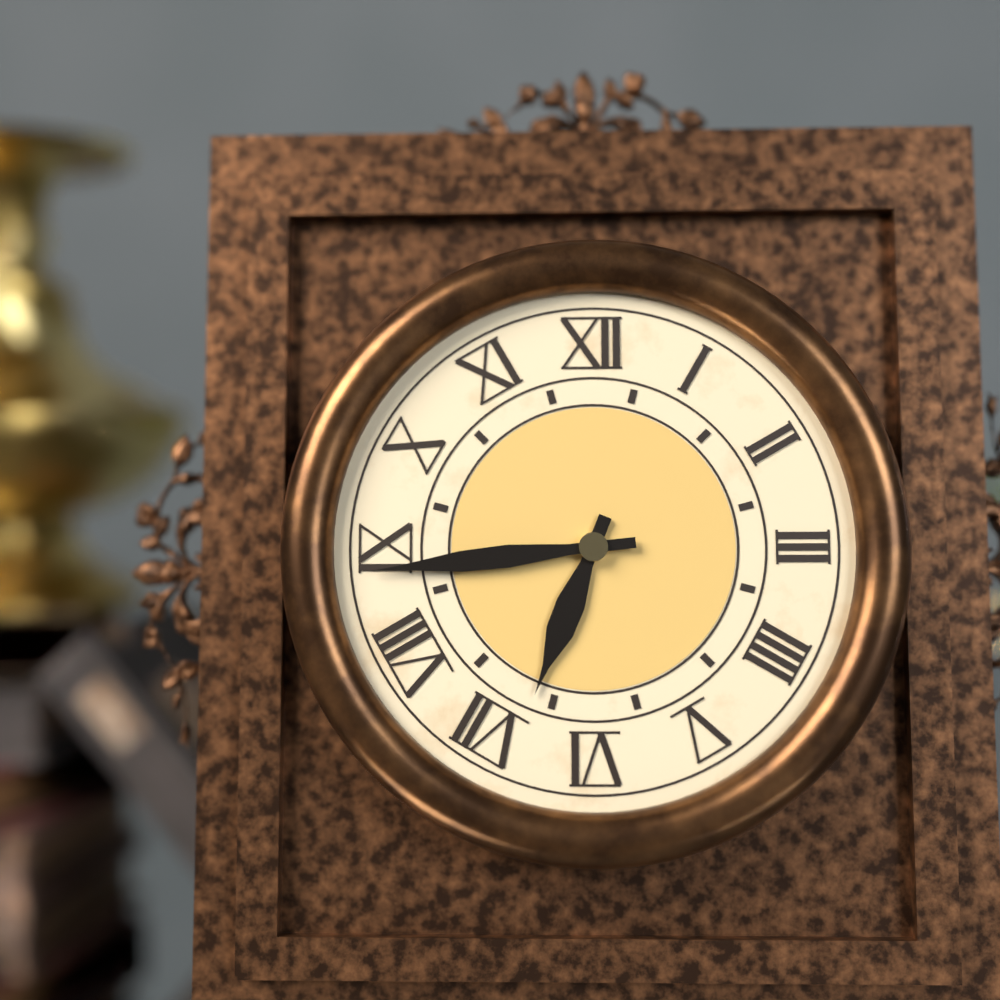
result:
6,44
